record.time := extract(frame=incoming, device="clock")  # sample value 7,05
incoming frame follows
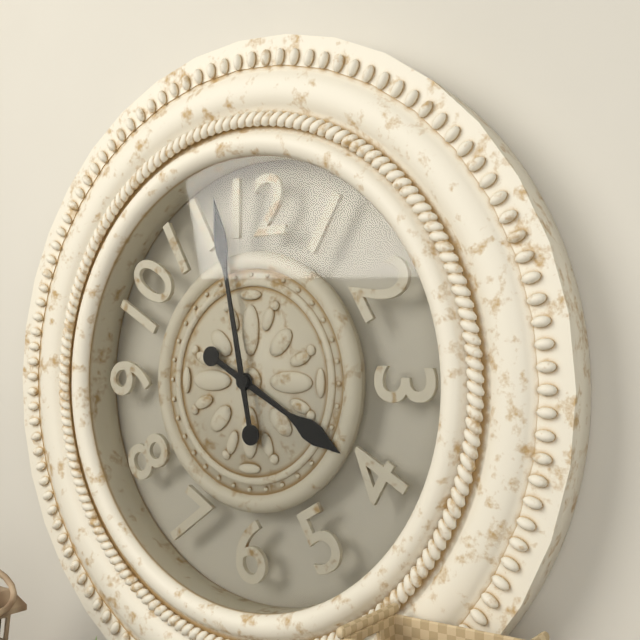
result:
3,58
